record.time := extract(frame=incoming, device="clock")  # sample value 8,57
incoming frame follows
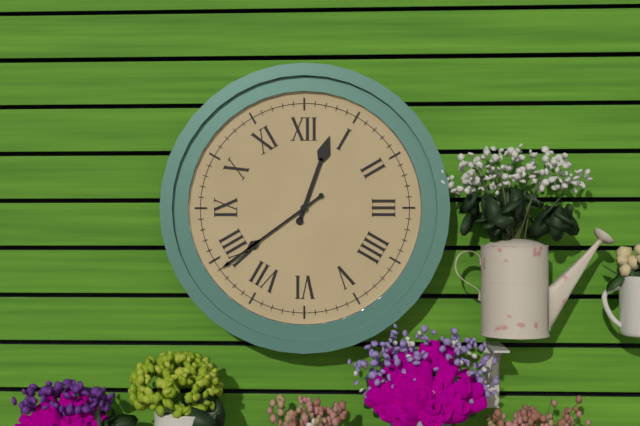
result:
12,39
